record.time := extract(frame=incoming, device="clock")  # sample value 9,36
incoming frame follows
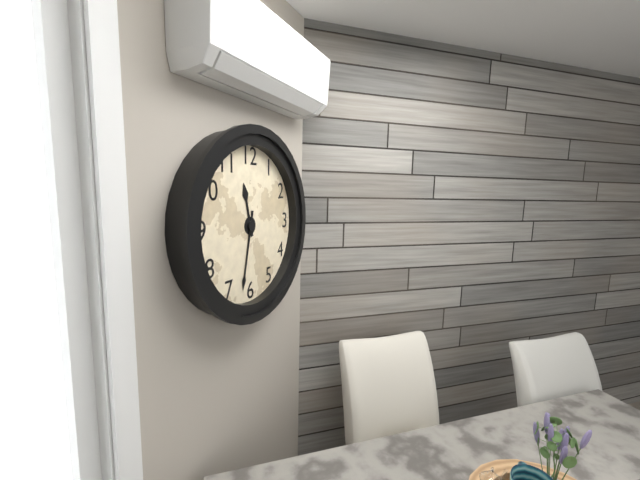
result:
11,32
